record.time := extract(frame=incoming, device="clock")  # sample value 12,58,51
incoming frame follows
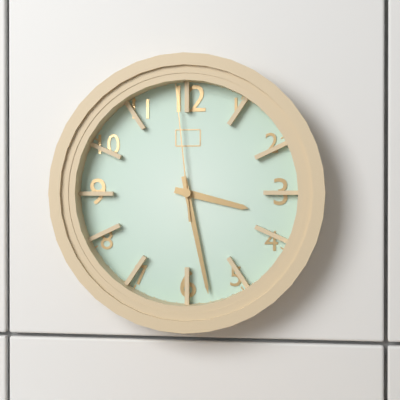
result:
3,28,59
